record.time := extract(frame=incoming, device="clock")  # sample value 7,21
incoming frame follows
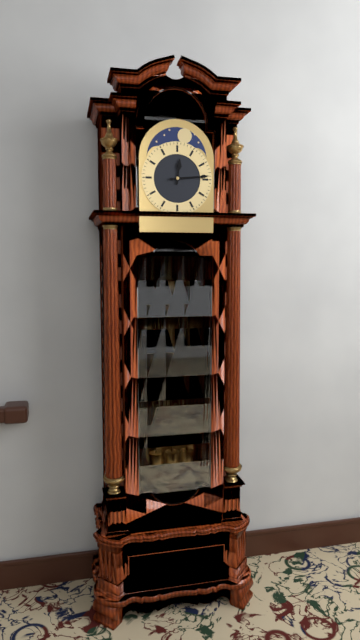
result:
12,14
